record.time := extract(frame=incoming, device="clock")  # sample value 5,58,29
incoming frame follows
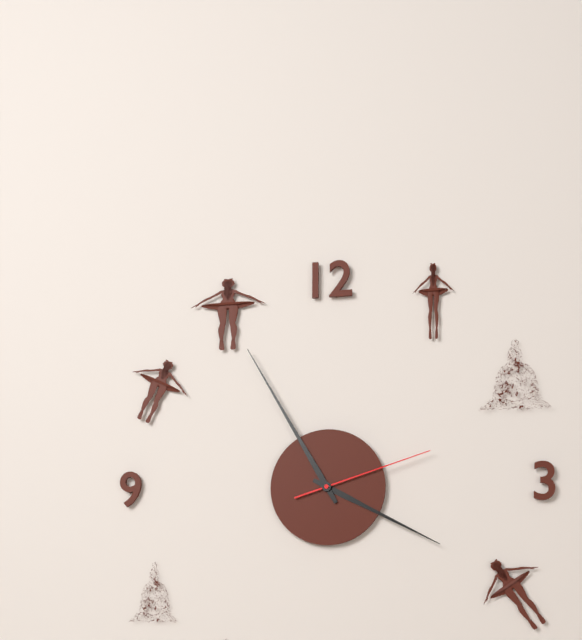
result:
3,55,12
